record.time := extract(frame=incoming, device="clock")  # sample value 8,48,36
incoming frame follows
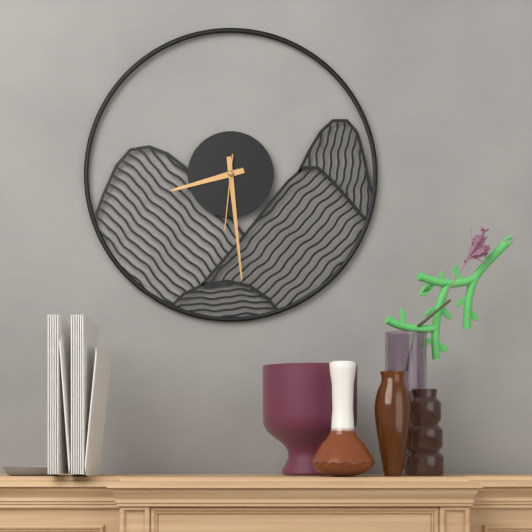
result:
8,29,31
